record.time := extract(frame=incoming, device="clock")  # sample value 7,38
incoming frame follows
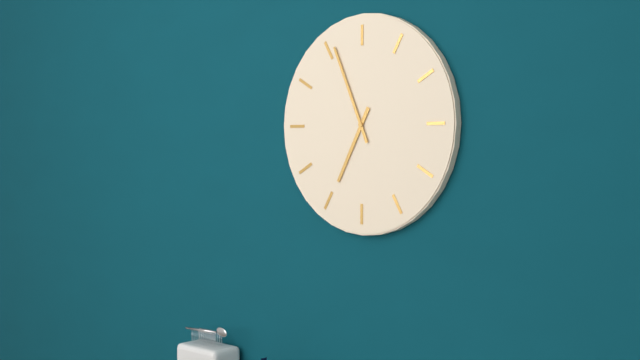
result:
6,56
